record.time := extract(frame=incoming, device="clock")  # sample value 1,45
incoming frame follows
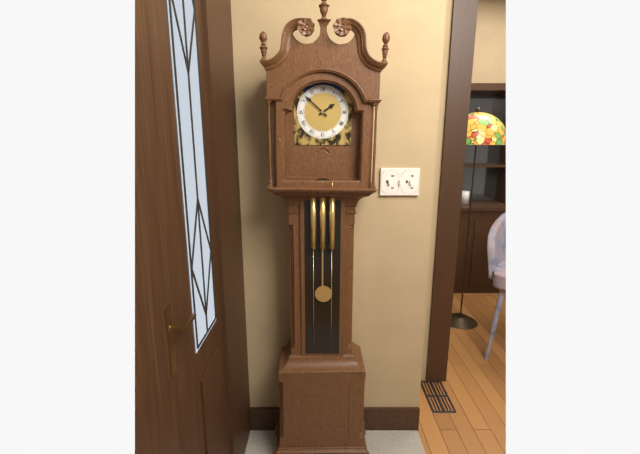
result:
1,52
